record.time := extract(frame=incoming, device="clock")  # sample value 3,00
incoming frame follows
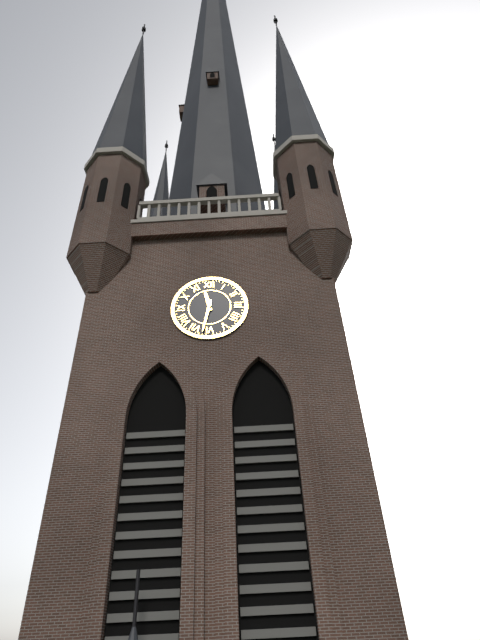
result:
11,32
